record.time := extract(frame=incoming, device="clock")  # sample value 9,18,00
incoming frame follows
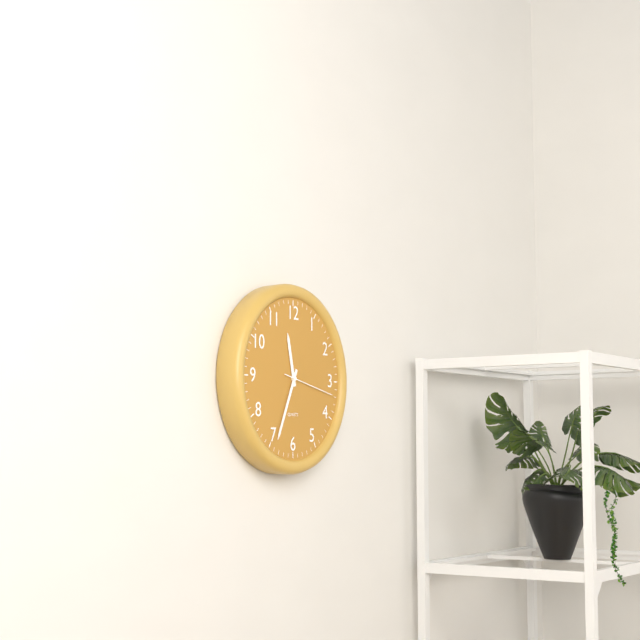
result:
11,34,17
